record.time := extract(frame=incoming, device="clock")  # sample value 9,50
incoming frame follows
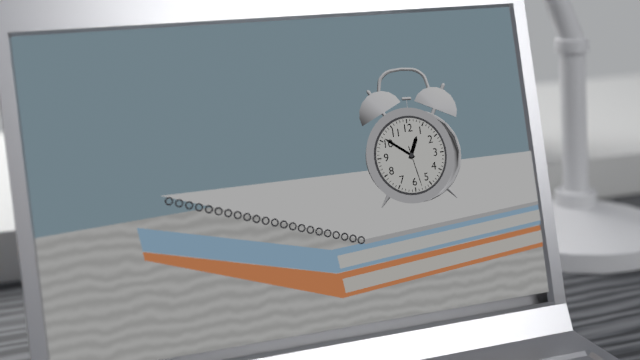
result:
12,51
